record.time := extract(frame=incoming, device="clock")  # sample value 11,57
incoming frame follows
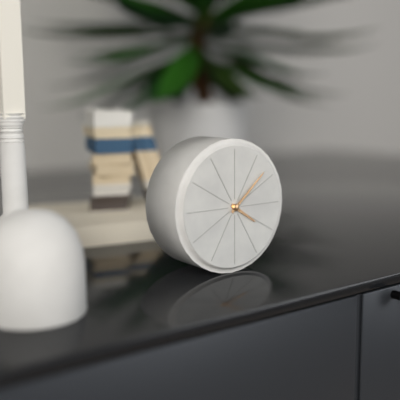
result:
4,08
